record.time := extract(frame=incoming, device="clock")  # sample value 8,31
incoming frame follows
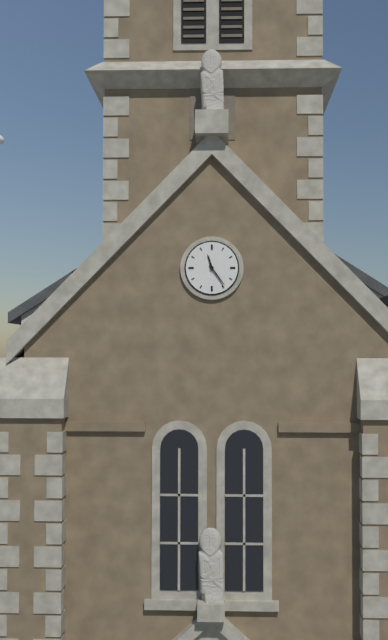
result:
11,24
